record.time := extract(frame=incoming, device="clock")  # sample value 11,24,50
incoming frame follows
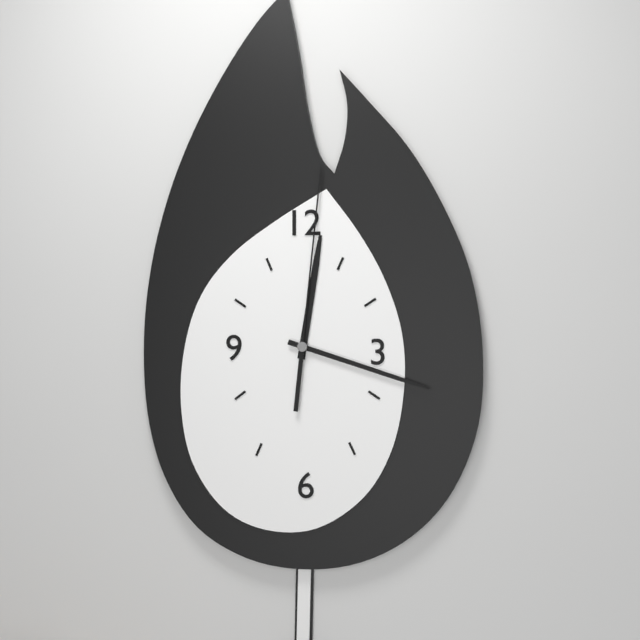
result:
12,18,01
